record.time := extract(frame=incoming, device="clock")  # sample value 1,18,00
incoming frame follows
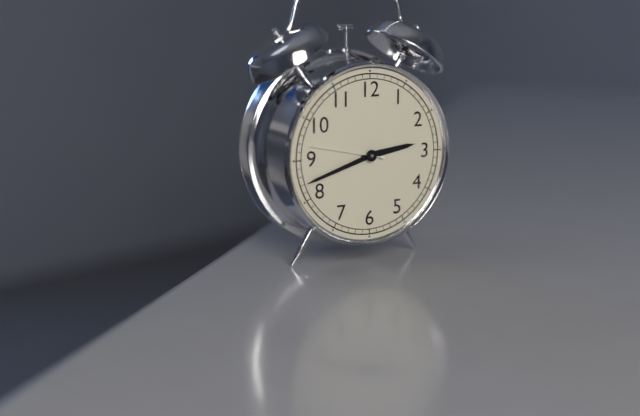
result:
2,42,47
